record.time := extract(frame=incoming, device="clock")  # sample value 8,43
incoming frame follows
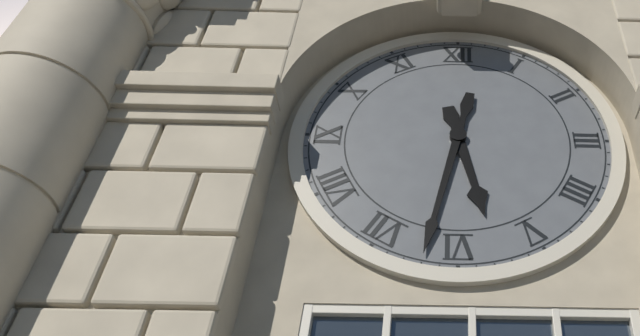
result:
5,32
